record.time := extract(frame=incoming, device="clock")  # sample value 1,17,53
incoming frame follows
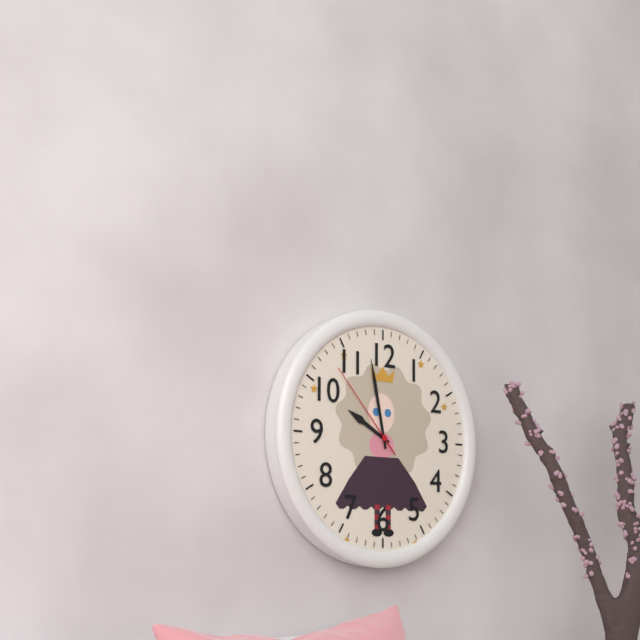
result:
9,58,53
